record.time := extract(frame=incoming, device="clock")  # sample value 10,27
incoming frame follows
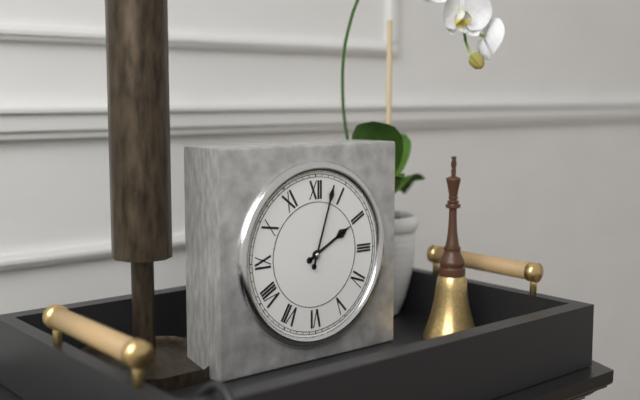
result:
2,03
